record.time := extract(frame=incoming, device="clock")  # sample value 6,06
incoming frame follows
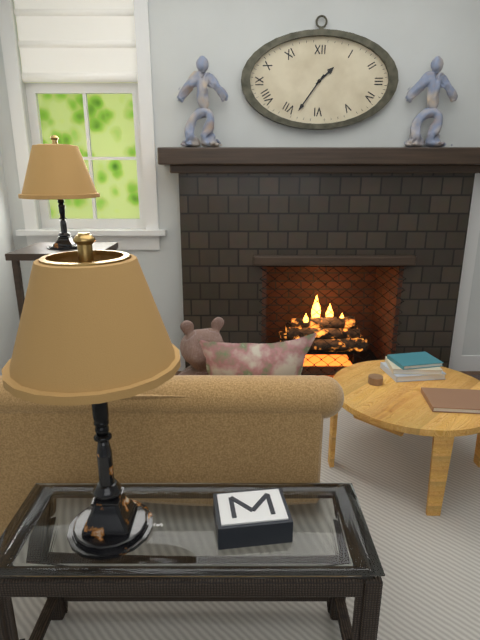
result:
1,36
